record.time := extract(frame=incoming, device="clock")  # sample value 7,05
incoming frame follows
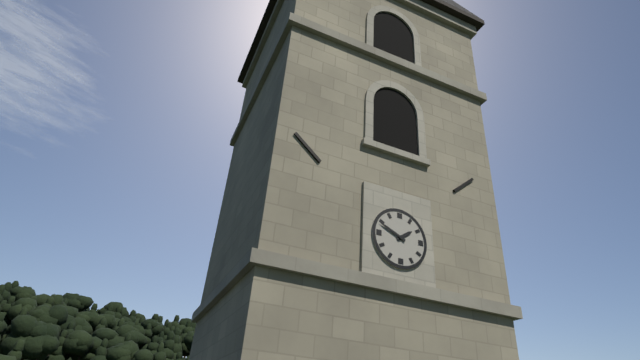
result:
1,49
